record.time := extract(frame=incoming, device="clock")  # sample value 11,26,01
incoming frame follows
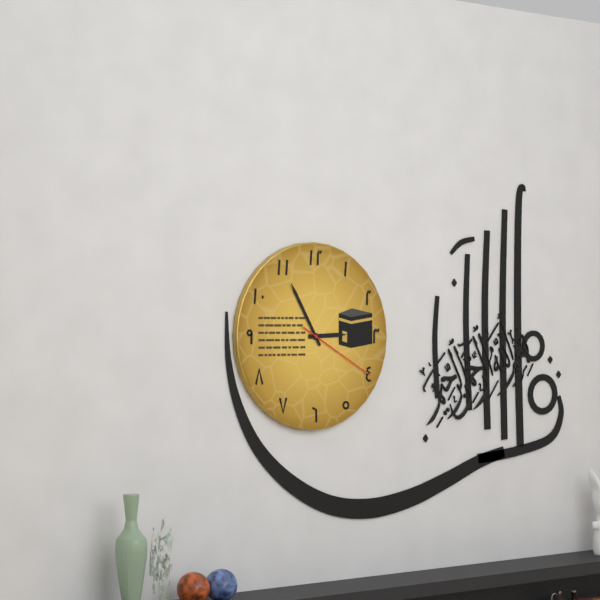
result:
2,55,20
